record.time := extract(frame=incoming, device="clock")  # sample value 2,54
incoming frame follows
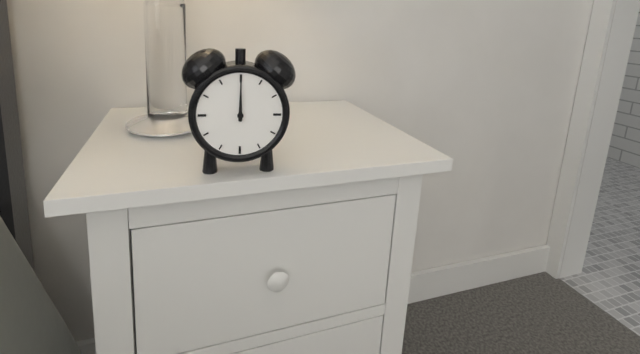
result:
12,00
